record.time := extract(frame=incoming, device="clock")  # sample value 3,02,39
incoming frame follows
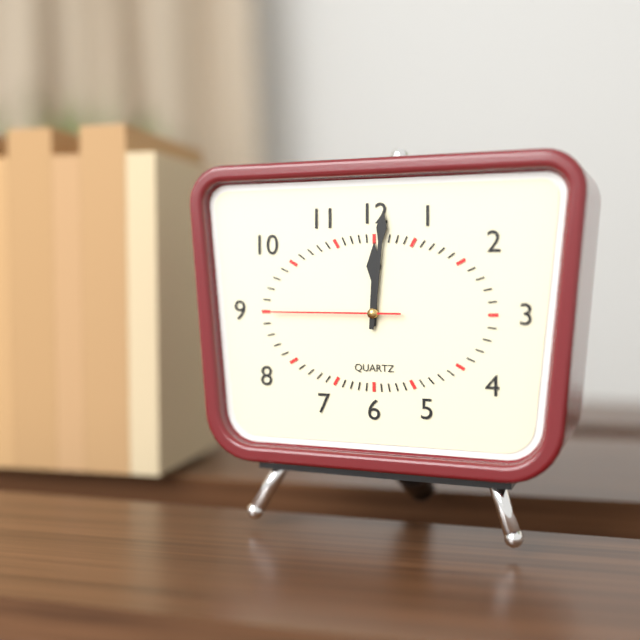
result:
12,01,45
